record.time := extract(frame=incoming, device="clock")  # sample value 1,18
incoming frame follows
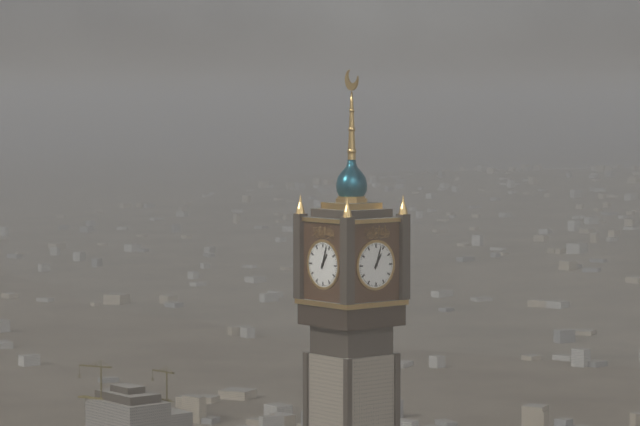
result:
1,03
